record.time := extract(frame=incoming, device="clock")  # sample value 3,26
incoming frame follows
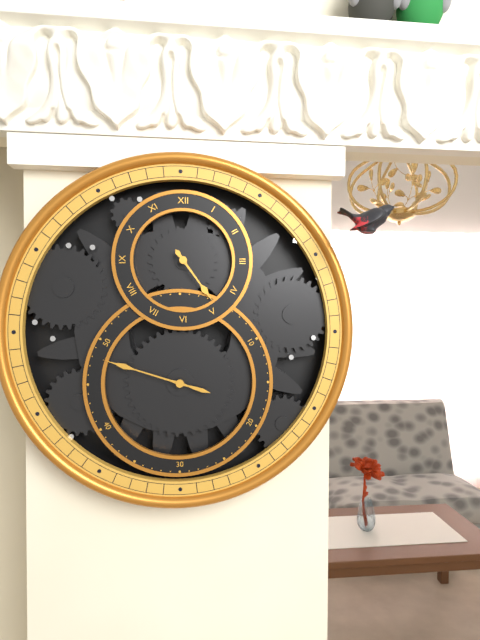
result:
4,48
